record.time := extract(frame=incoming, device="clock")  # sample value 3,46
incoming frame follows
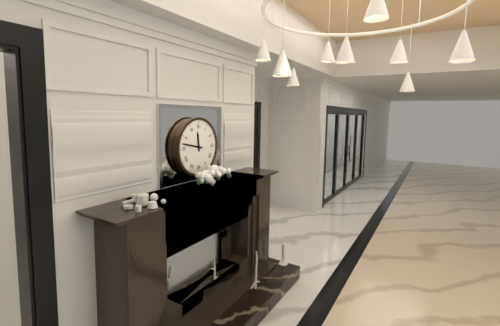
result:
11,47
